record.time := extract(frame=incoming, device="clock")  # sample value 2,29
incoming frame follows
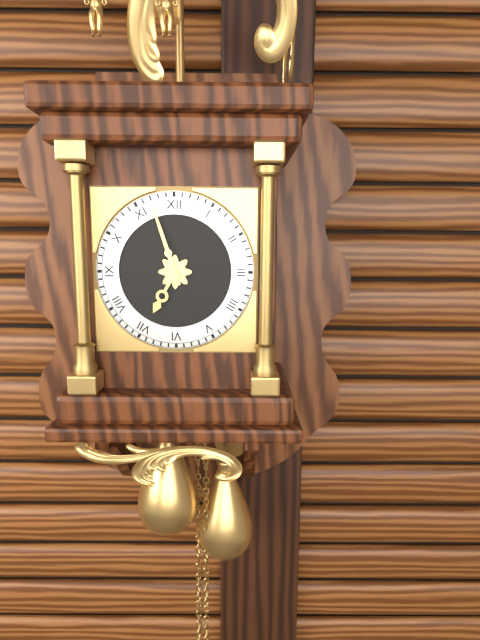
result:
6,57
